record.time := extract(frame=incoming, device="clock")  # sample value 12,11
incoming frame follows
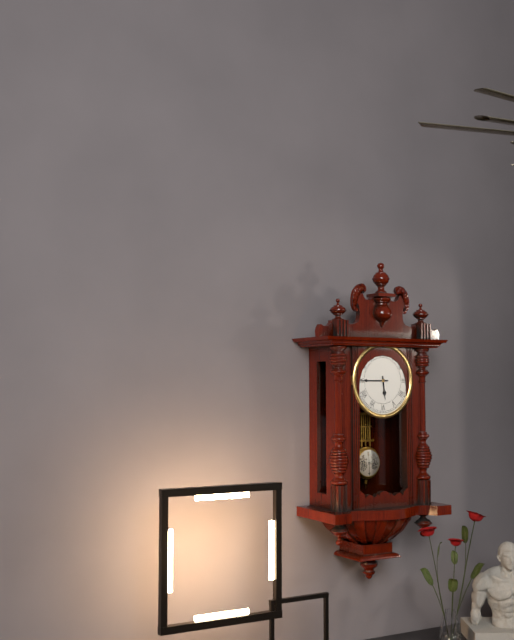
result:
5,45
